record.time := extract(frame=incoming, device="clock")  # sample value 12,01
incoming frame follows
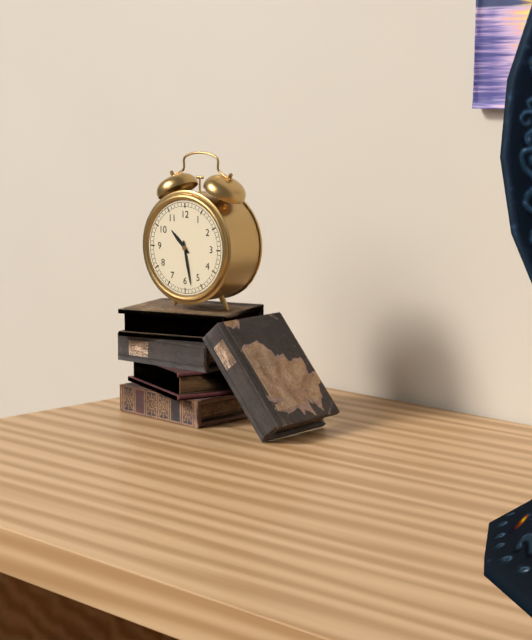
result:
10,28
